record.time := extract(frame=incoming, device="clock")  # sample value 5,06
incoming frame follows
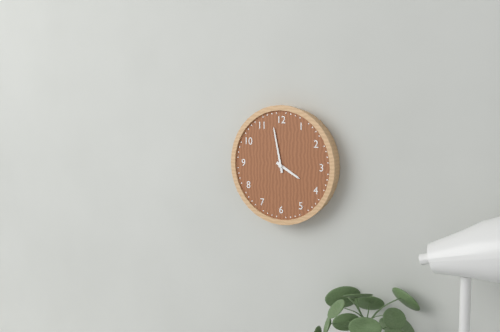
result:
3,58
